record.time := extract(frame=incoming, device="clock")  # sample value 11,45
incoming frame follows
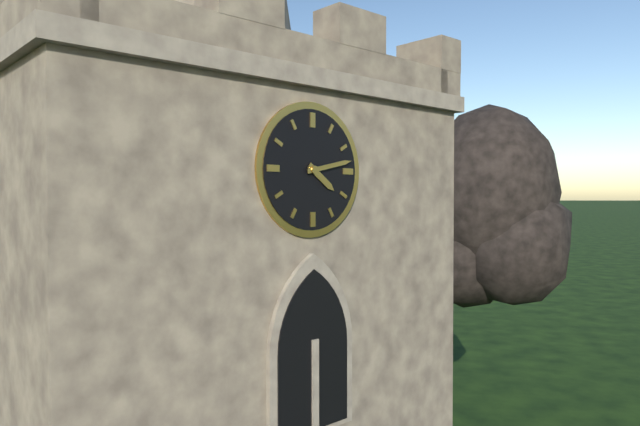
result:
4,13
